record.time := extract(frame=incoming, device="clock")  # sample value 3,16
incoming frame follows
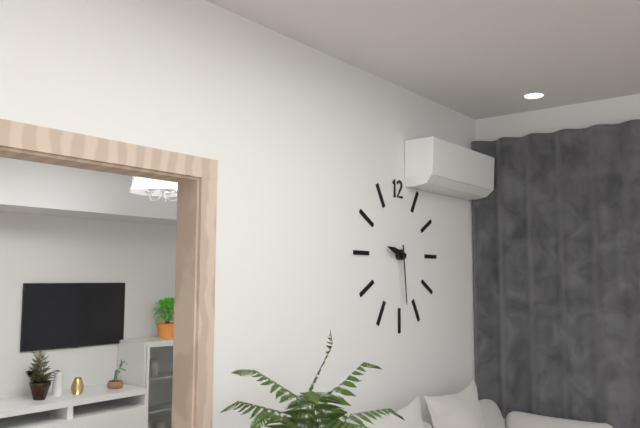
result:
9,29
